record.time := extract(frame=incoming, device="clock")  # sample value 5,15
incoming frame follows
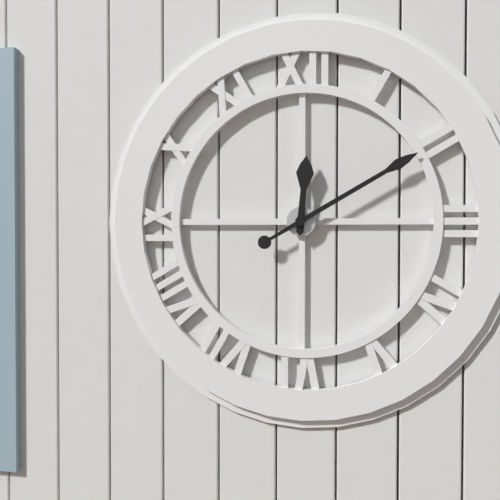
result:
12,10
